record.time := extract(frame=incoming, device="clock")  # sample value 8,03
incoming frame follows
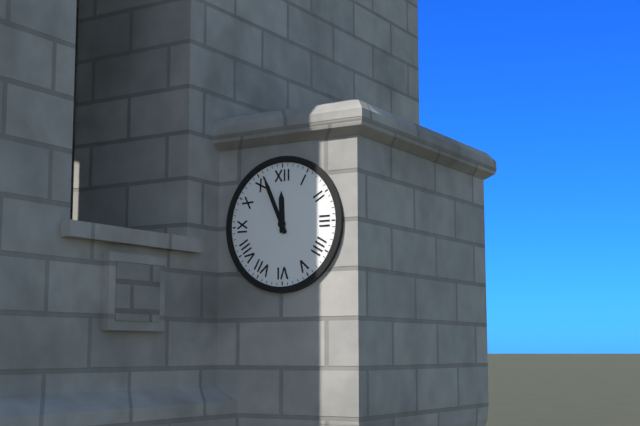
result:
11,56
